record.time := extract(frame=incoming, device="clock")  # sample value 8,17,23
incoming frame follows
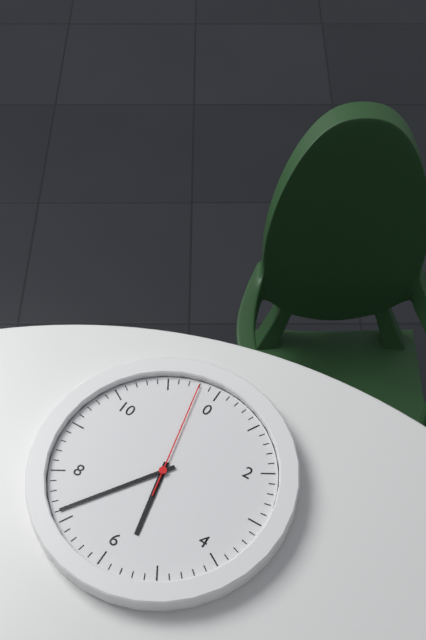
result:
5,36,58
